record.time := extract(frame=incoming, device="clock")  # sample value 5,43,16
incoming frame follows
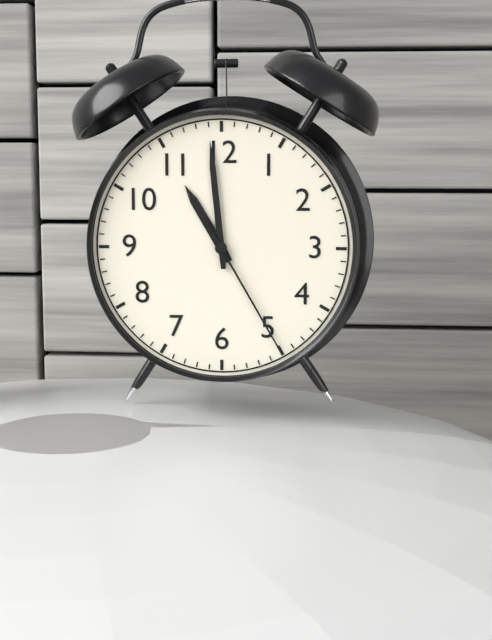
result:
10,59,25
